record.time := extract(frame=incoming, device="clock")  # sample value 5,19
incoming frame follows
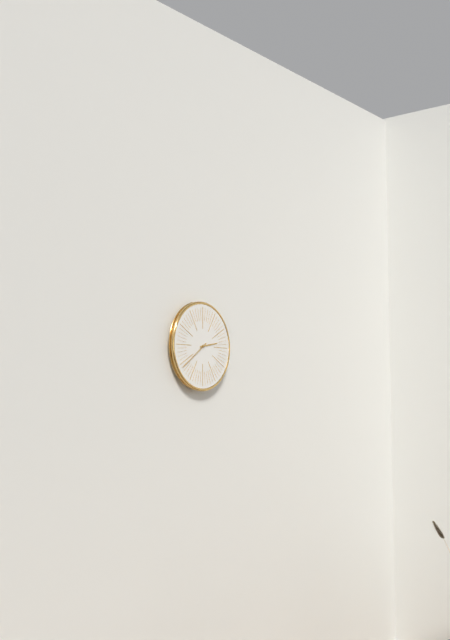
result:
2,39
